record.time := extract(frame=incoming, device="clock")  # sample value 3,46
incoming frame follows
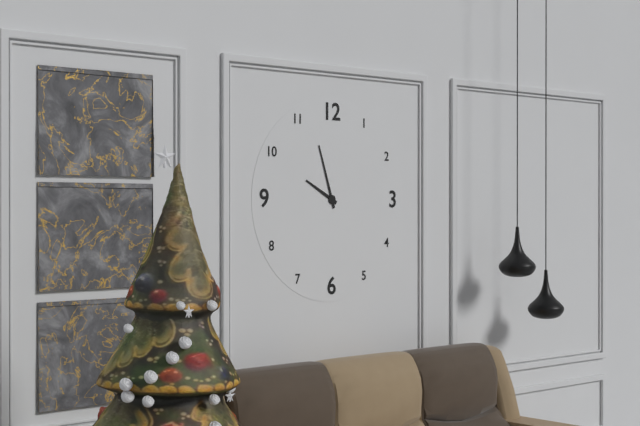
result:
9,57
